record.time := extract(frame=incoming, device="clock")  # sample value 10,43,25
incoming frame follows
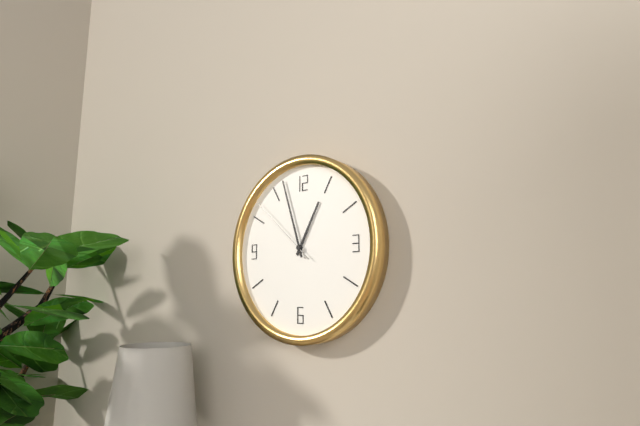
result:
12,57,52
